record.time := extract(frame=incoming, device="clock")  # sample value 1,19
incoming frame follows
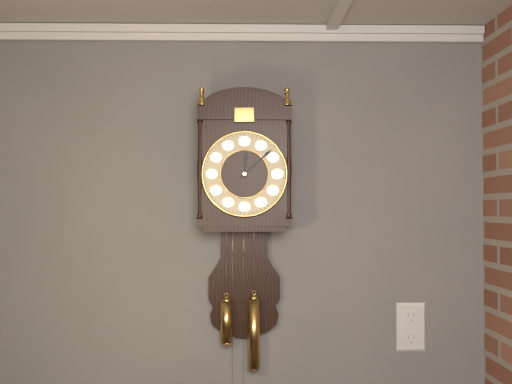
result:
12,08
